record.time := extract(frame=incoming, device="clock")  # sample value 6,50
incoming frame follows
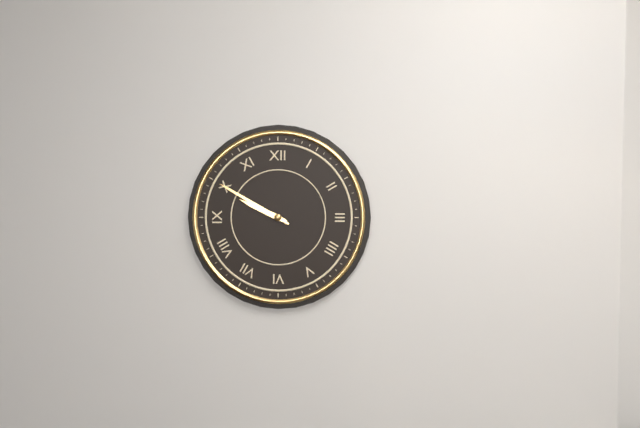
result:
9,50
